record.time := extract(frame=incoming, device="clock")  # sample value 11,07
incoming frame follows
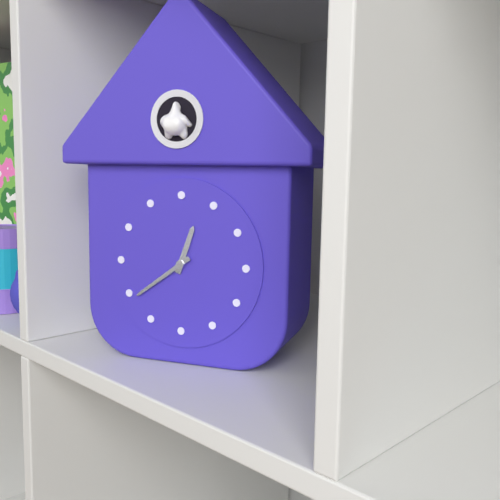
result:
12,39
